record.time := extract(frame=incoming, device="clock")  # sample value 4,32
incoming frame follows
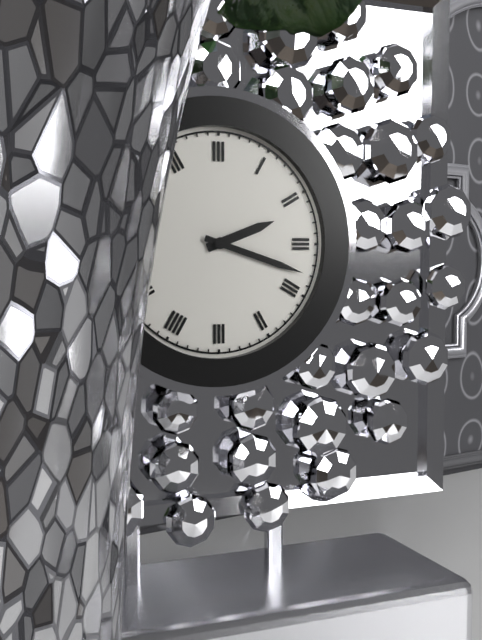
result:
2,18
